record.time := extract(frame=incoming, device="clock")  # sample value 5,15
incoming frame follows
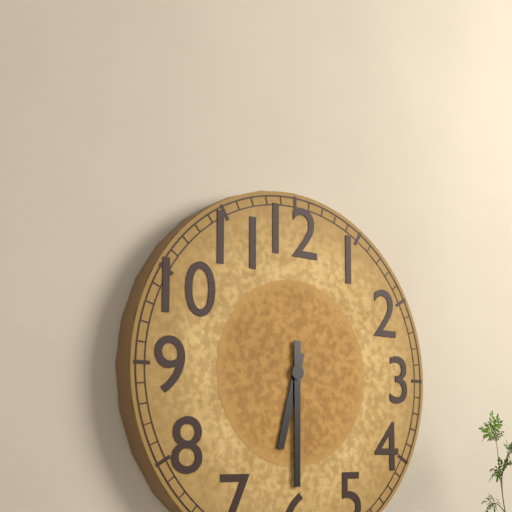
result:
6,30
